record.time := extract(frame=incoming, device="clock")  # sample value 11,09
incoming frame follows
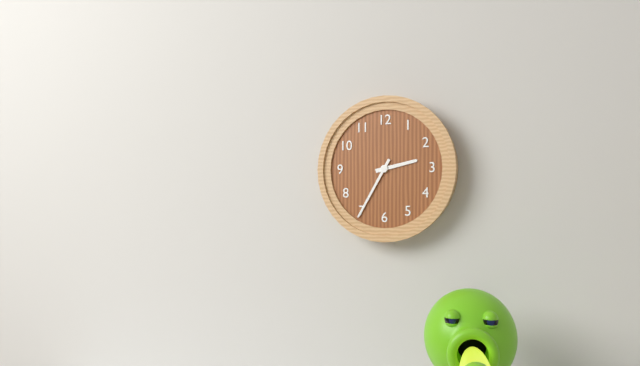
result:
2,35
